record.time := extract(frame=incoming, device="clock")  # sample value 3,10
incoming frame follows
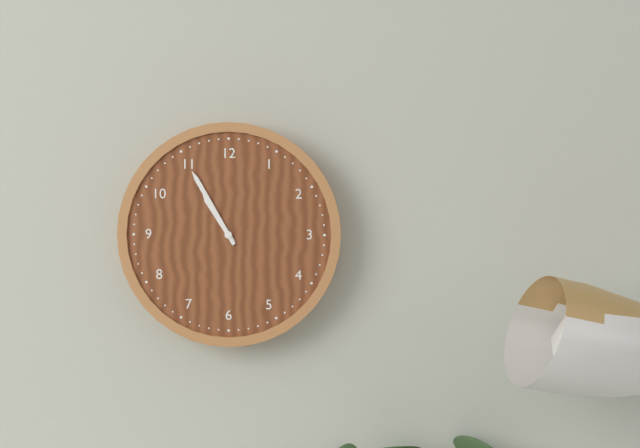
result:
10,55
